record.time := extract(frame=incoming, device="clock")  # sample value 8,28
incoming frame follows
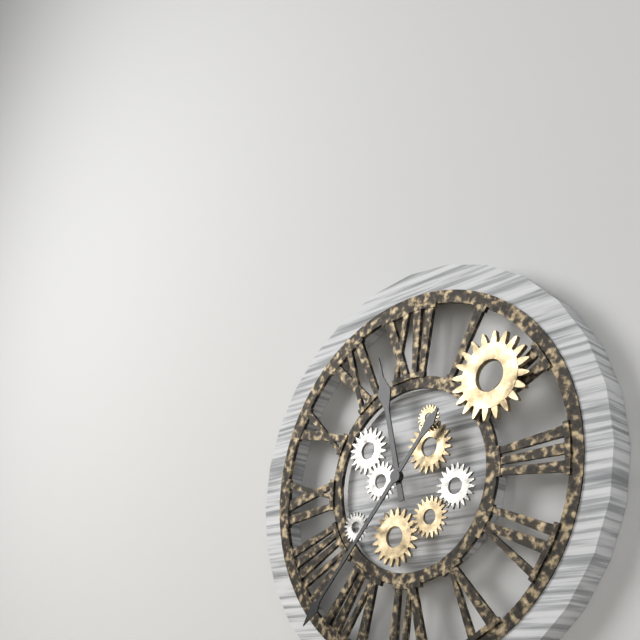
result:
11,37
